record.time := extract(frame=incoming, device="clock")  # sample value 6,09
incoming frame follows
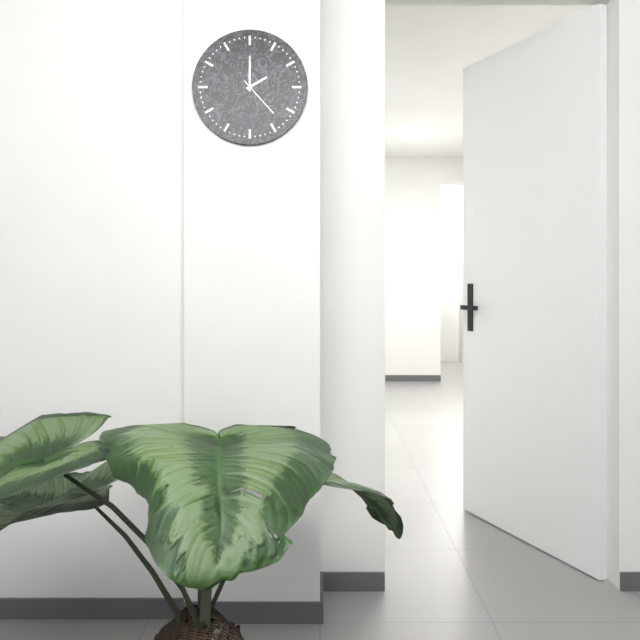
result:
2,00
